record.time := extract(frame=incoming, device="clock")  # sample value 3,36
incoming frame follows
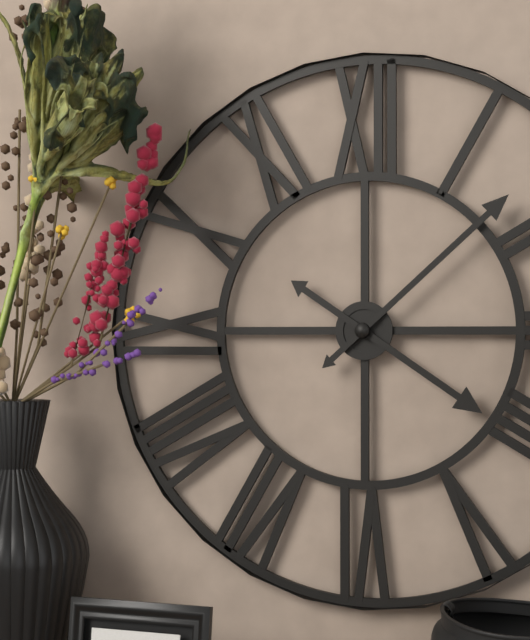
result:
4,08
